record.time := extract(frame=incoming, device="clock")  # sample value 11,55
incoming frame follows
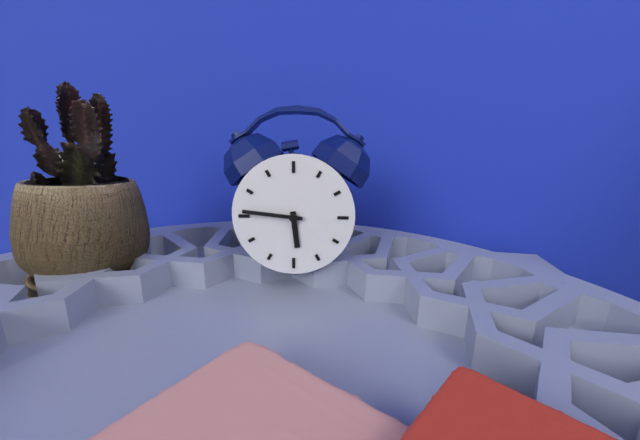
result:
5,46
